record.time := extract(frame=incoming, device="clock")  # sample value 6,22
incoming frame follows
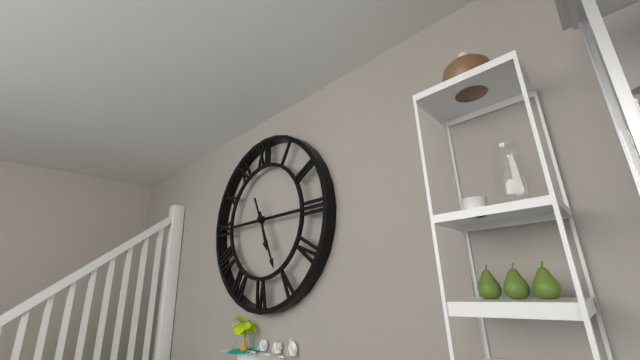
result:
5,26
